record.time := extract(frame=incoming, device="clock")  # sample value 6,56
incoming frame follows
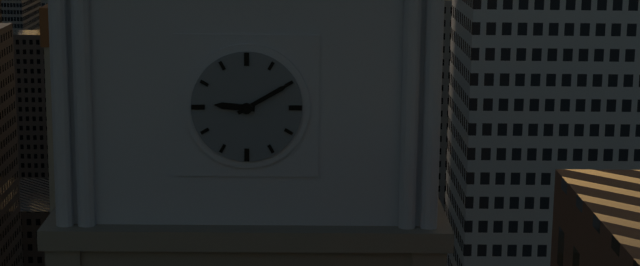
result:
9,10
